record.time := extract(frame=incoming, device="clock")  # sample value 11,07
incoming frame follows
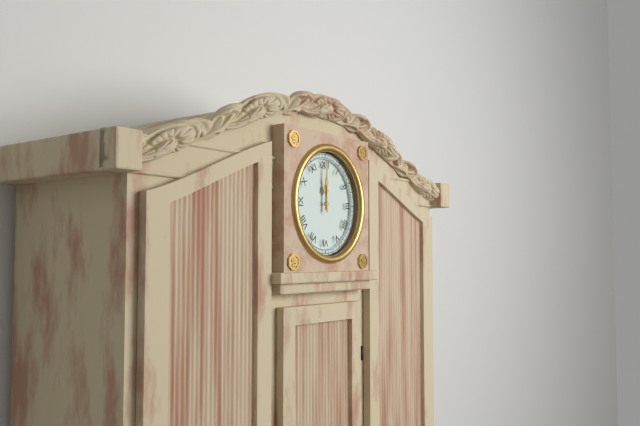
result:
12,00
